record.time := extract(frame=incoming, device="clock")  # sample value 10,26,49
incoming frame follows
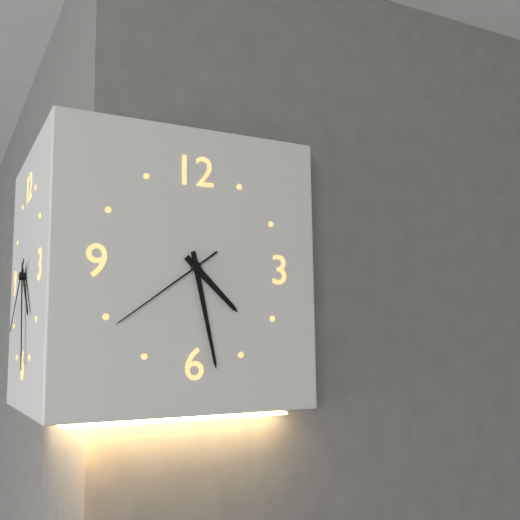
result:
4,28,39
